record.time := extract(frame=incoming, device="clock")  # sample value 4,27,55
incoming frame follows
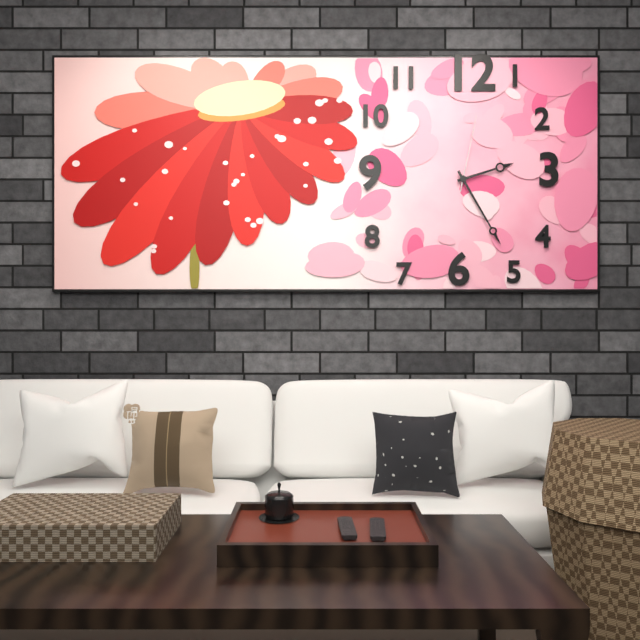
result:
2,25,02
